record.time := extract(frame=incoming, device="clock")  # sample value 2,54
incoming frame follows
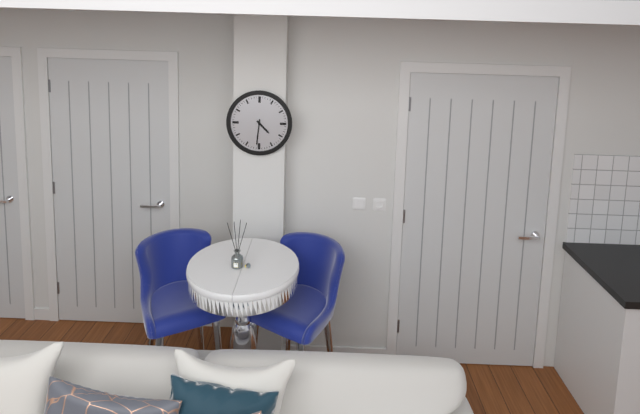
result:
4,31
